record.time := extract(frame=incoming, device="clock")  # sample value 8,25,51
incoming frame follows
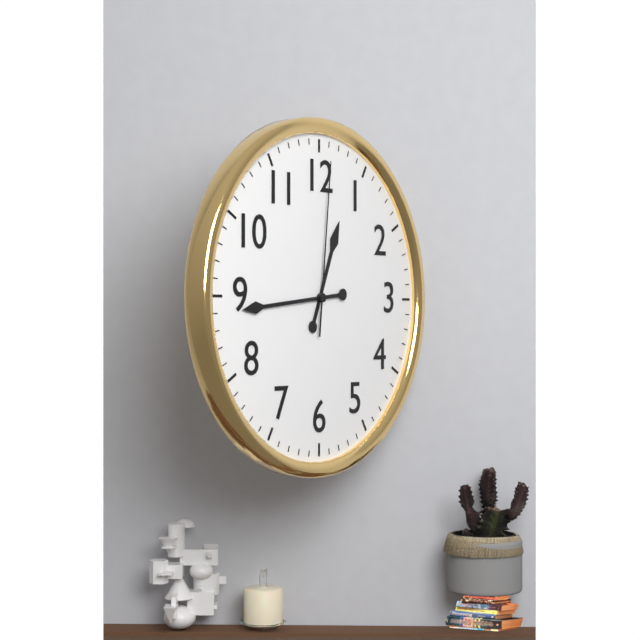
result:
12,44,01
